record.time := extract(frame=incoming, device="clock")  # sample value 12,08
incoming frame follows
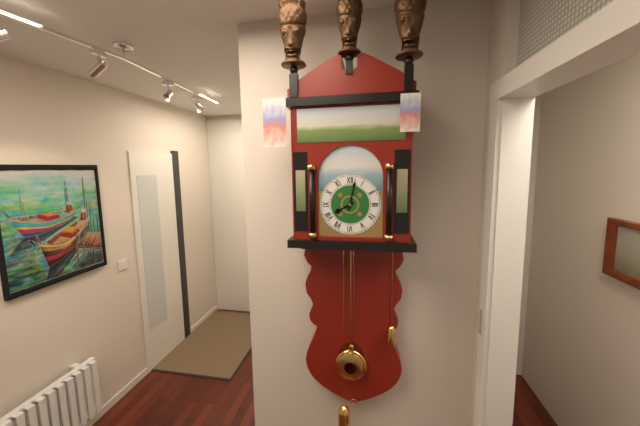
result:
8,02
